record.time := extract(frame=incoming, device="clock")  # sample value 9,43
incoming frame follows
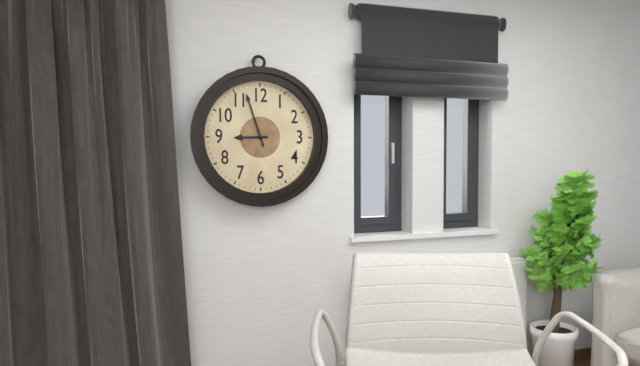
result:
8,57
